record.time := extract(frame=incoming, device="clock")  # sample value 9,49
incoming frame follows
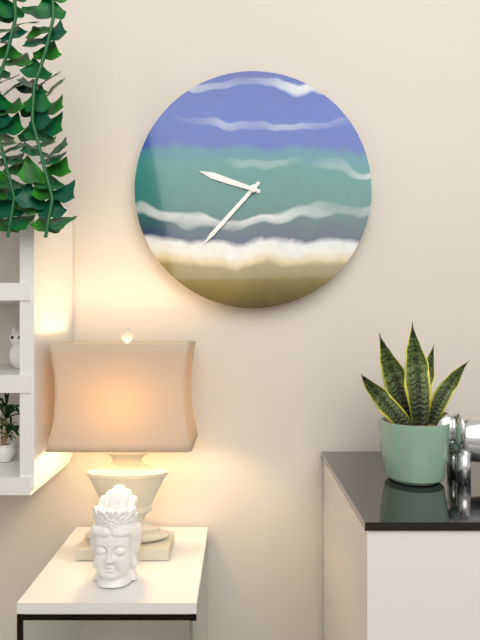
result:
9,37
